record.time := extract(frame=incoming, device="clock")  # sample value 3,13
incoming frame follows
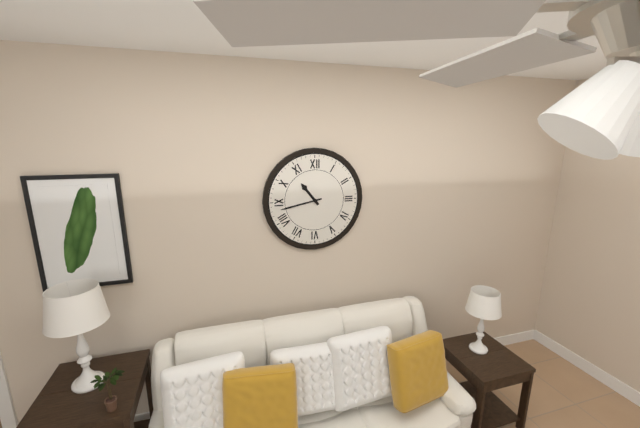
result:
10,43
